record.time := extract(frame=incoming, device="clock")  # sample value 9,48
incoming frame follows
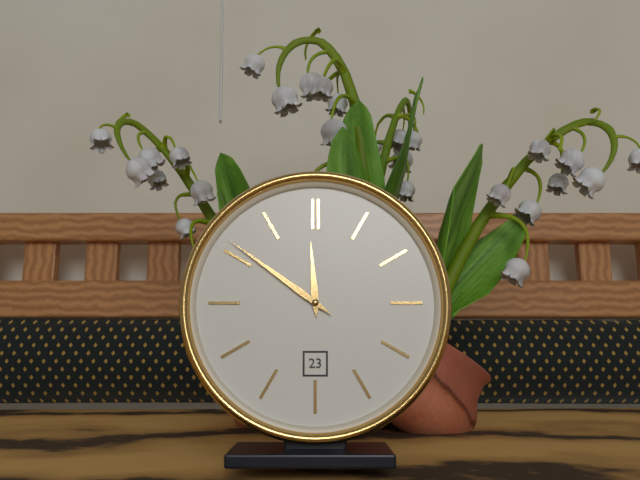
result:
11,51
